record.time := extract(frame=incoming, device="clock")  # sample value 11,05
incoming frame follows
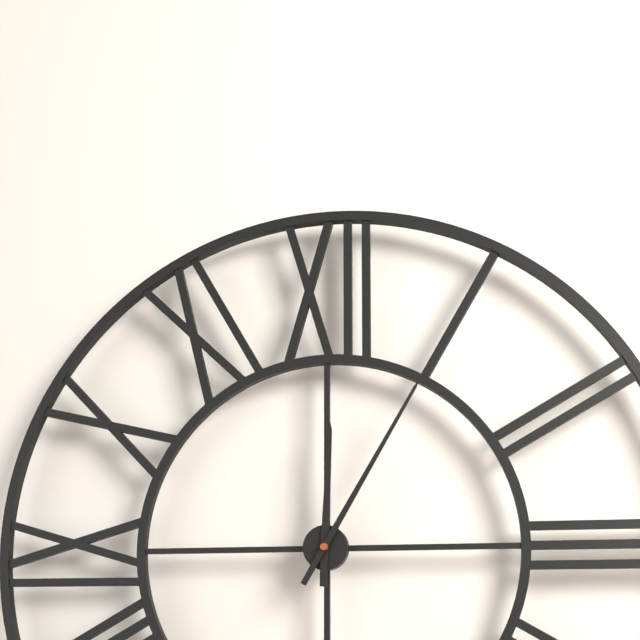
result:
12,05
